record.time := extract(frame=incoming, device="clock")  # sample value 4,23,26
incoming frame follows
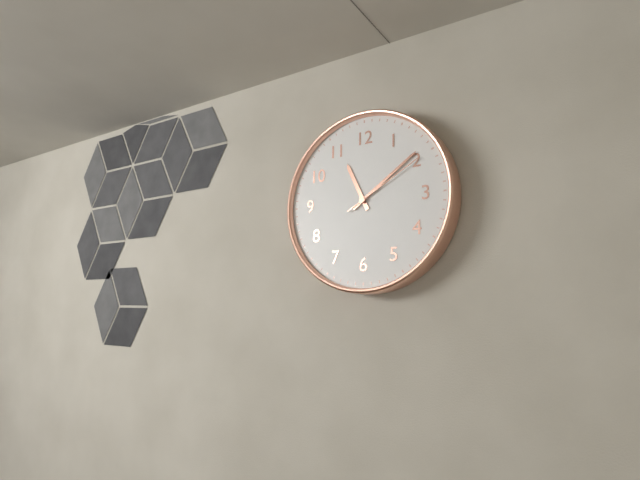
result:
11,09,10
